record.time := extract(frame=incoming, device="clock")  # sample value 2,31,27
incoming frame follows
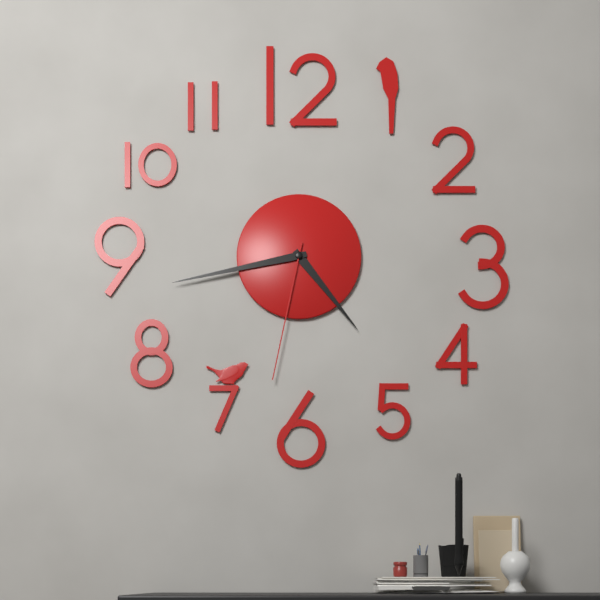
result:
4,43,32
